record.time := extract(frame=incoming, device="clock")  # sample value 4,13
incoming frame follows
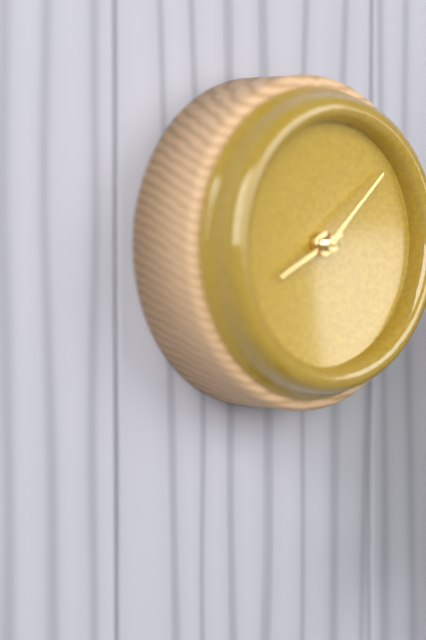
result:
8,08
